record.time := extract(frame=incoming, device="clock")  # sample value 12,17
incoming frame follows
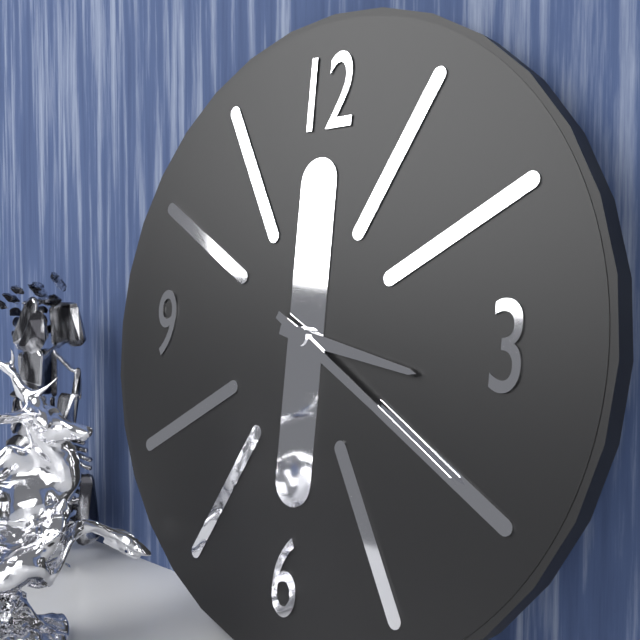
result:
3,20
